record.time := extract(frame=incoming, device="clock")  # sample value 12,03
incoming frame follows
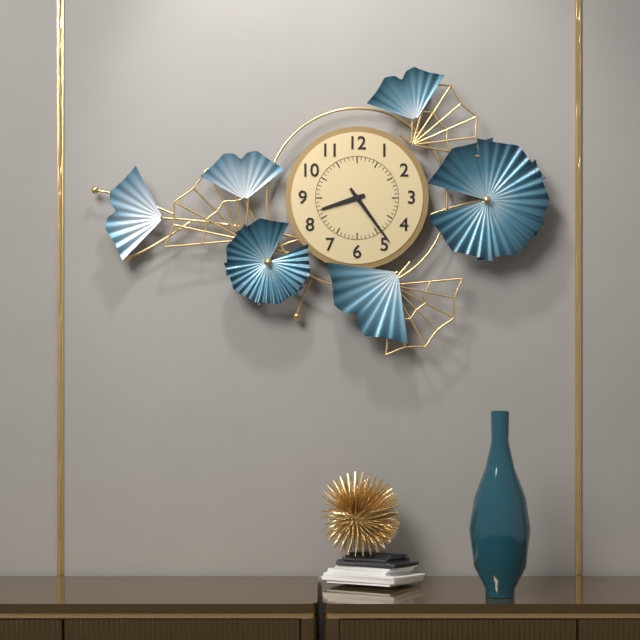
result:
8,24
